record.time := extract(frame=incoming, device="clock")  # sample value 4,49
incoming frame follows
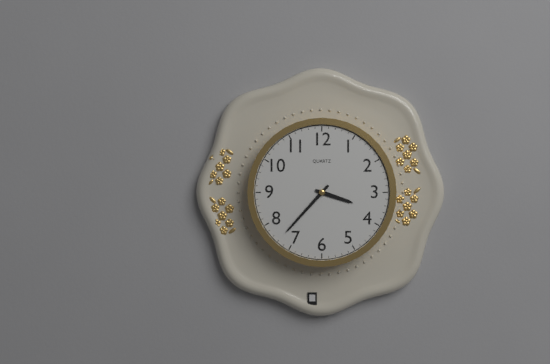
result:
3,37
